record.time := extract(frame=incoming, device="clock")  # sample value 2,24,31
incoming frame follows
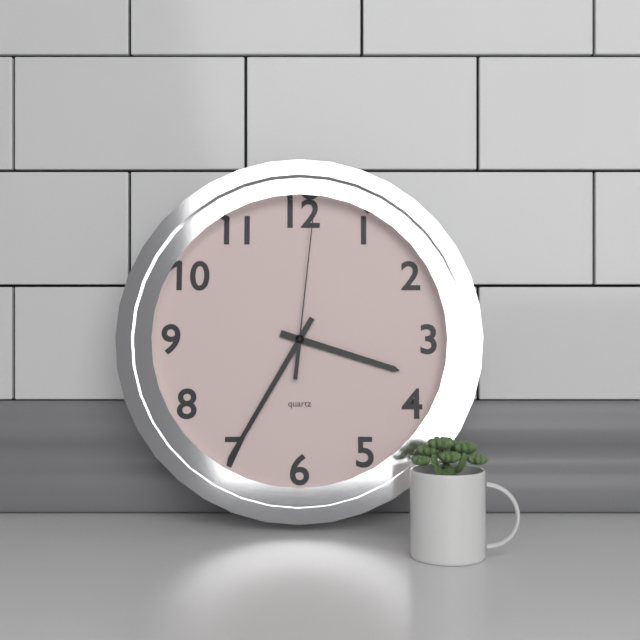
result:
3,35,01
